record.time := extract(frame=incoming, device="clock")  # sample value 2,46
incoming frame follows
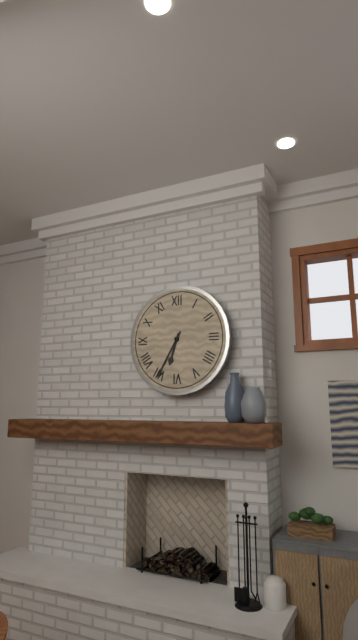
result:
6,35
